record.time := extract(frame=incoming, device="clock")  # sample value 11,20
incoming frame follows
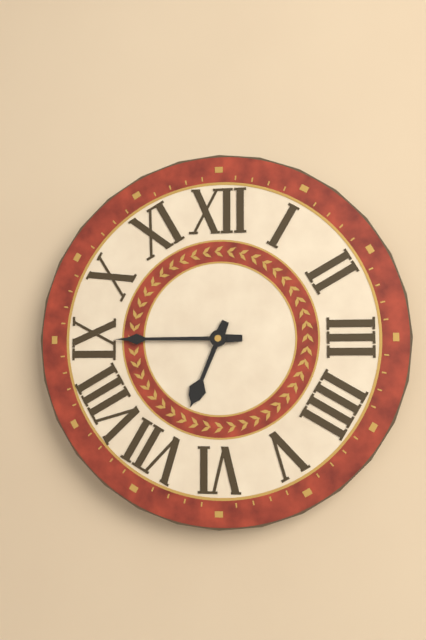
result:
6,45
